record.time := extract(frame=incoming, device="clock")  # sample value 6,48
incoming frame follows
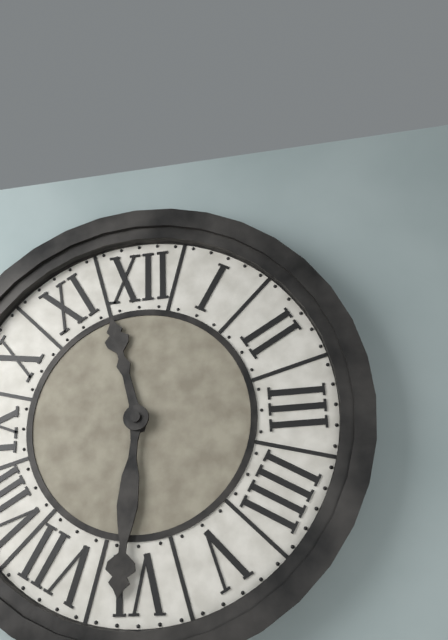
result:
11,31
